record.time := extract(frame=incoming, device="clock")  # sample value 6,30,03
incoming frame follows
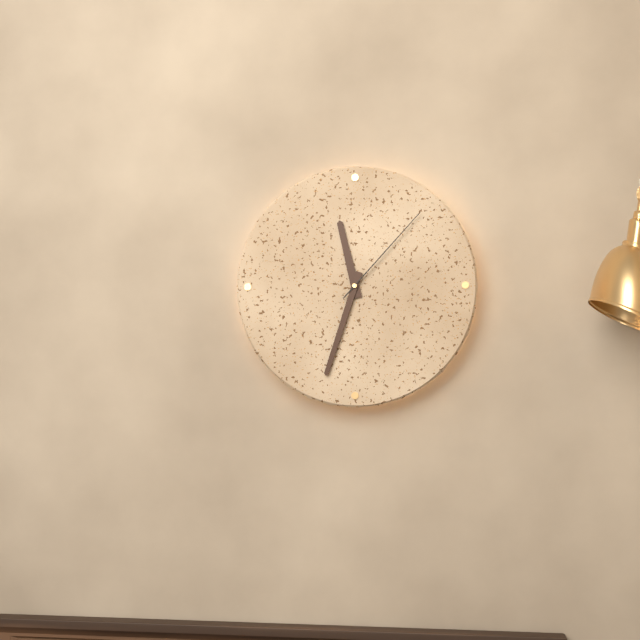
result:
11,33,07
